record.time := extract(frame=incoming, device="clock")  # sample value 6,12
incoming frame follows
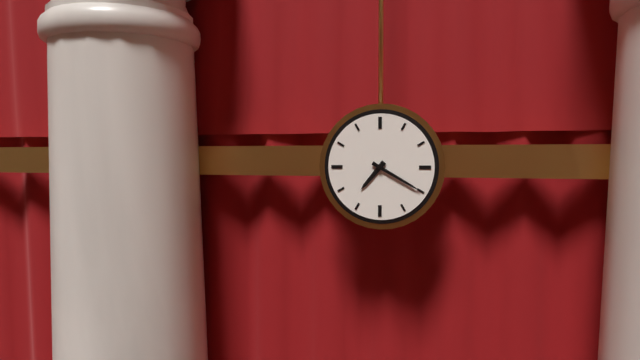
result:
7,20
